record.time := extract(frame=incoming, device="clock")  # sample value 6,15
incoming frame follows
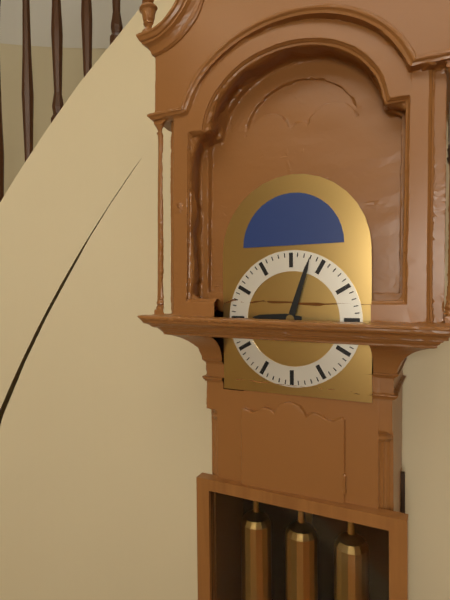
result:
9,03
